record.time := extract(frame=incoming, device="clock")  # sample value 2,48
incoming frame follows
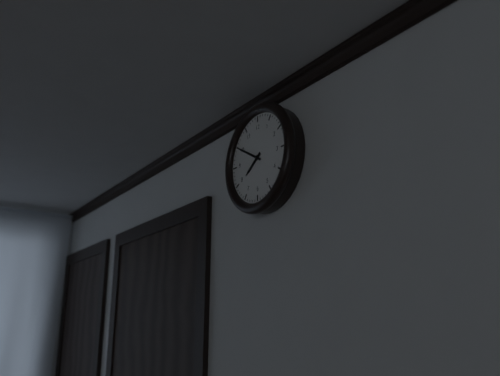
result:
7,50
